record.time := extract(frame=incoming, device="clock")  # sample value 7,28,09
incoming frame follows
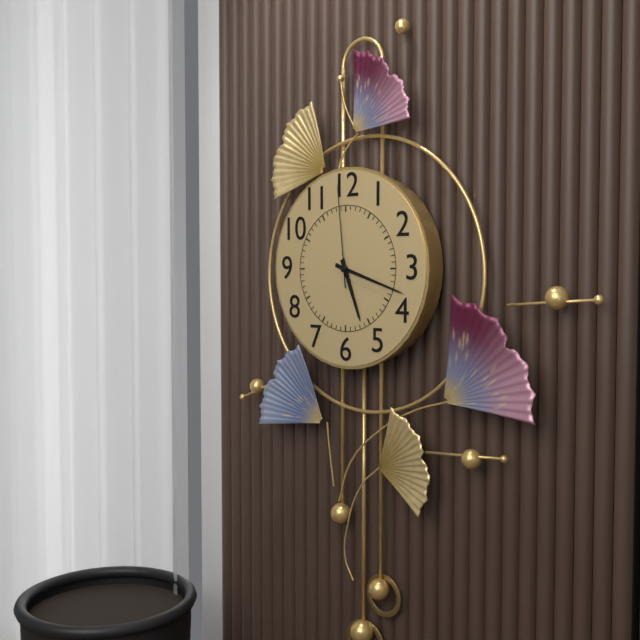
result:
5,18,59
